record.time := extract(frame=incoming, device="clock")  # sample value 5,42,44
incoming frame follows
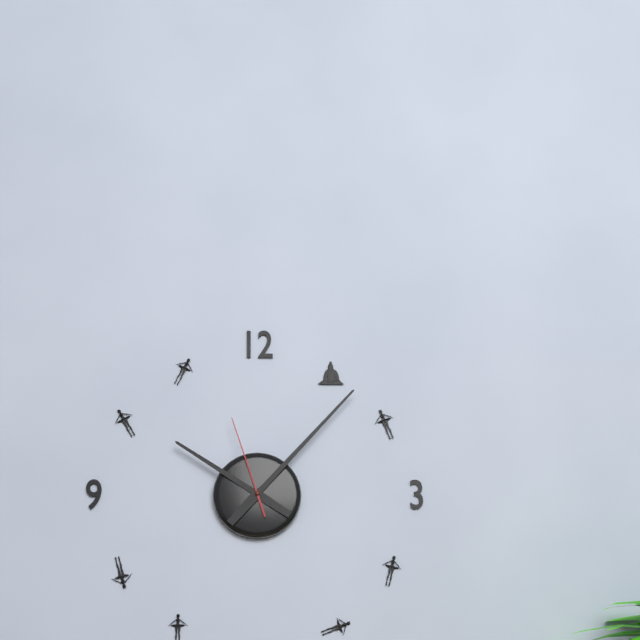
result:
10,07,57
